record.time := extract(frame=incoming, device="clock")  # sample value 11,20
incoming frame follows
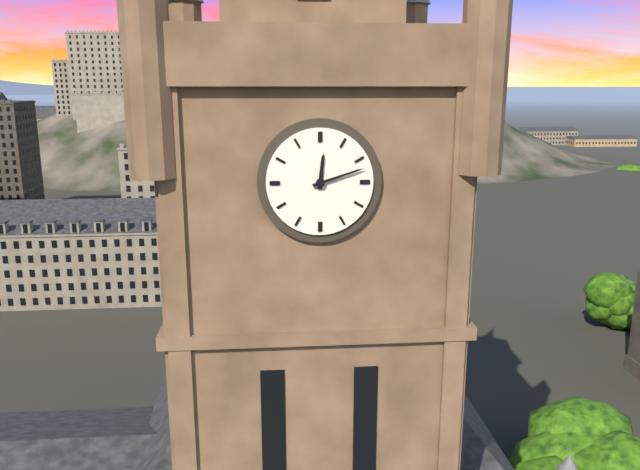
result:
12,12
